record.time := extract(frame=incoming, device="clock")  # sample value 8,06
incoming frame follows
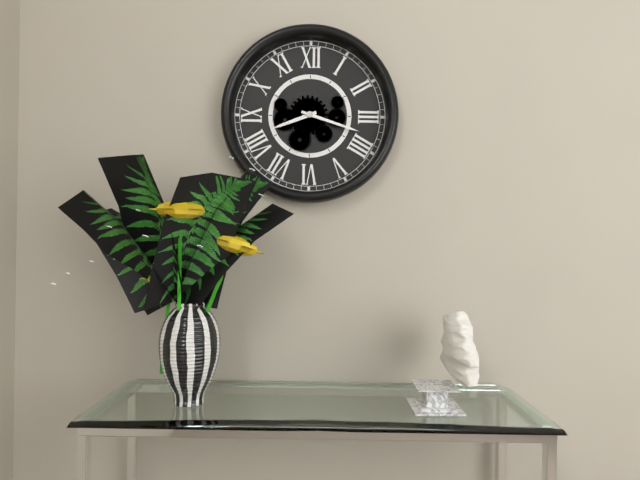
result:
8,18
